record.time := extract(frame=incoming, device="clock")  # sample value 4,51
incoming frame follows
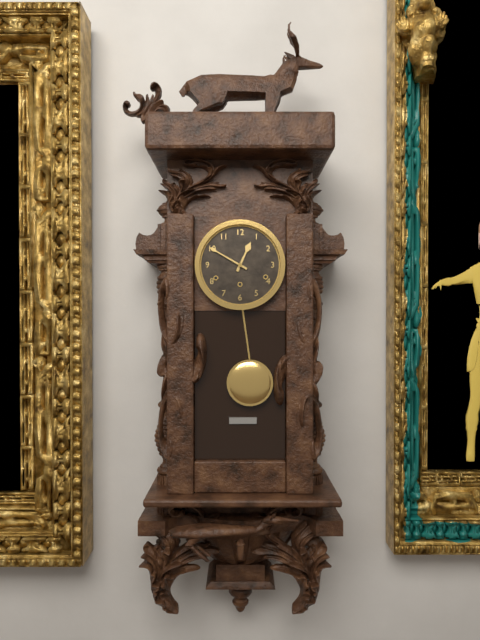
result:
12,50
